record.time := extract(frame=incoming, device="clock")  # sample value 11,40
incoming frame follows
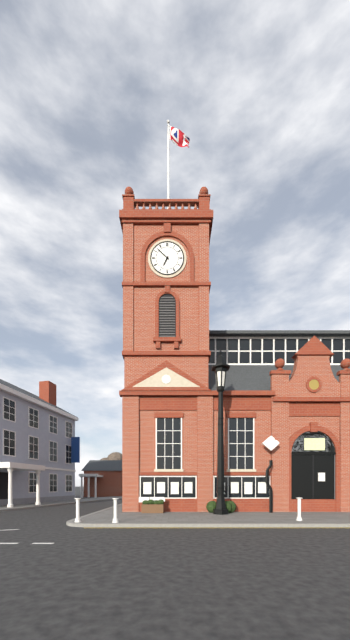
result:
6,52
